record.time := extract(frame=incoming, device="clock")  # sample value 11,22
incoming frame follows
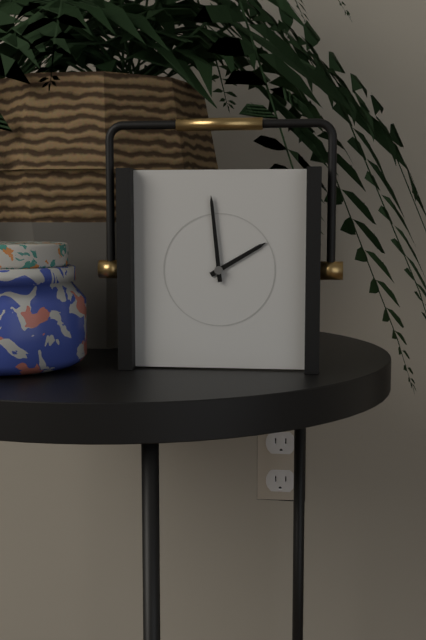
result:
1,59
